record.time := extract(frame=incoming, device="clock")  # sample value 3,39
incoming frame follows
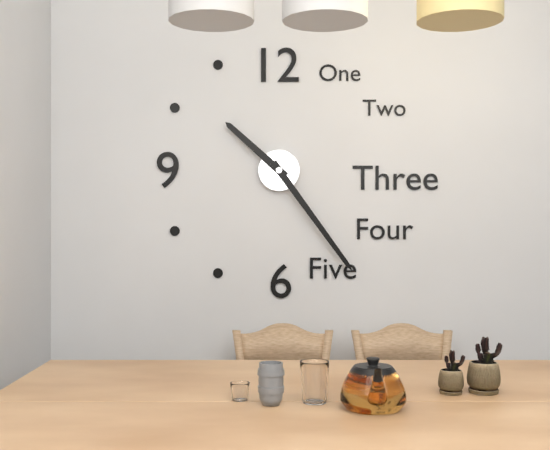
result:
10,24
